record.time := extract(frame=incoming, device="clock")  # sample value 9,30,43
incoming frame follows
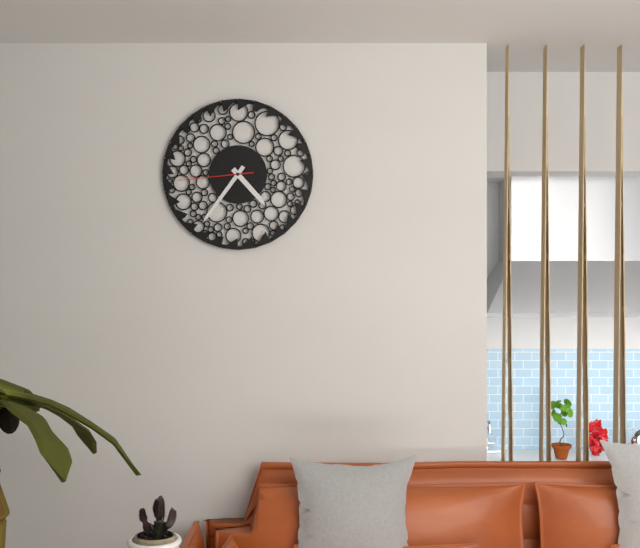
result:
4,36,44
